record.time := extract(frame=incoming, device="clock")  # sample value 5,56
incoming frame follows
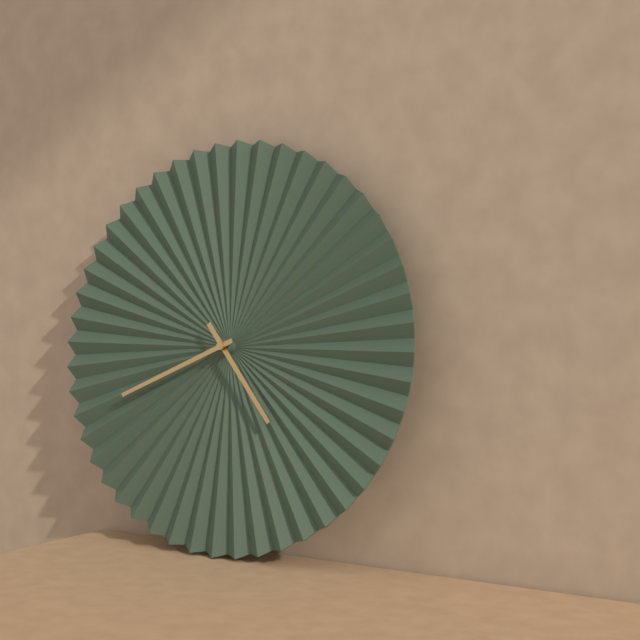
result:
4,41
